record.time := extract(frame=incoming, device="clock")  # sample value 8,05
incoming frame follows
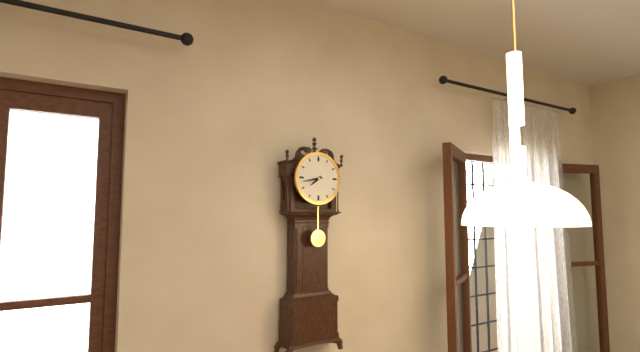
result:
7,43
